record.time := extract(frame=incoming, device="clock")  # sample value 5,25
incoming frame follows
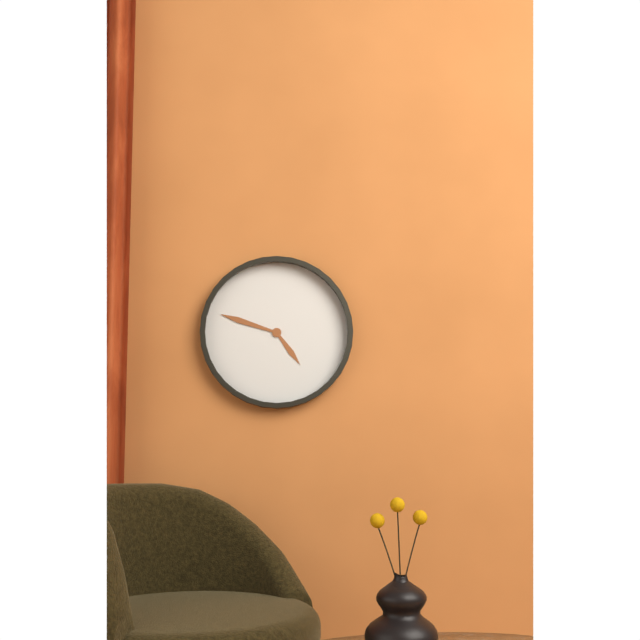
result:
4,48
